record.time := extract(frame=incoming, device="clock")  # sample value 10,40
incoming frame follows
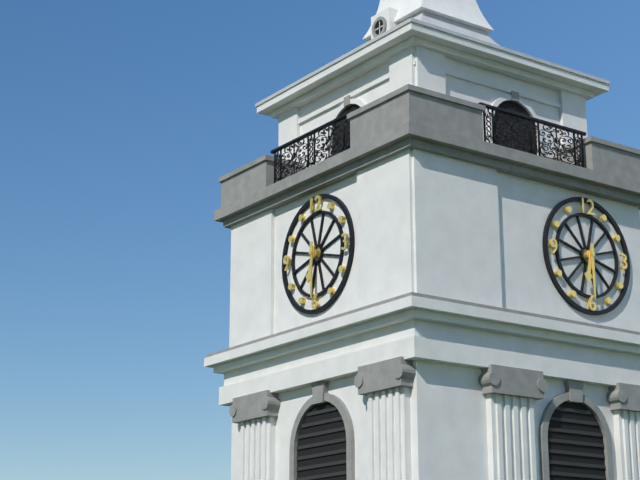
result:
6,30
